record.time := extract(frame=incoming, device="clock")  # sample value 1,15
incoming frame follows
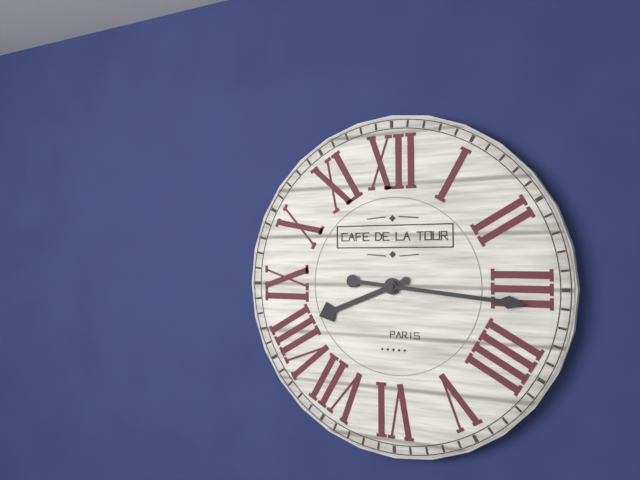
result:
8,16
